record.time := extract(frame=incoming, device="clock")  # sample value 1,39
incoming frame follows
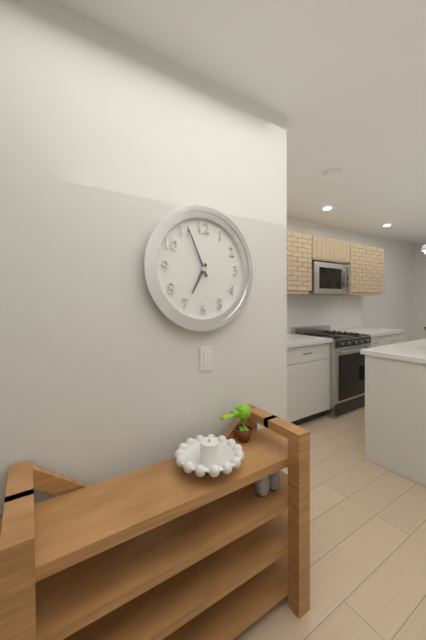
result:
6,56
